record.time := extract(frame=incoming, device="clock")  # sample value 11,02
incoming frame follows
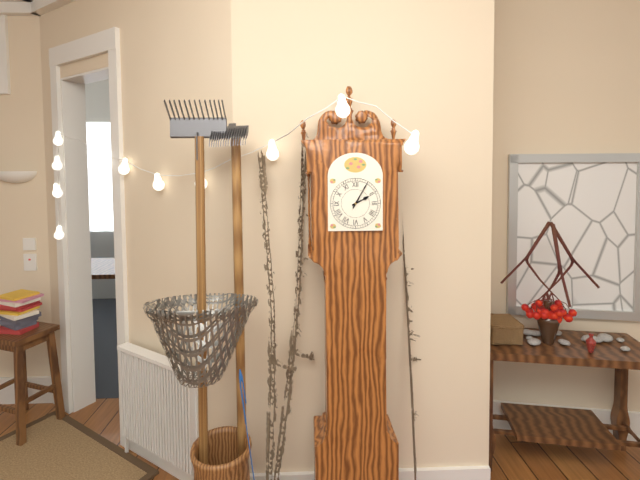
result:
2,05
